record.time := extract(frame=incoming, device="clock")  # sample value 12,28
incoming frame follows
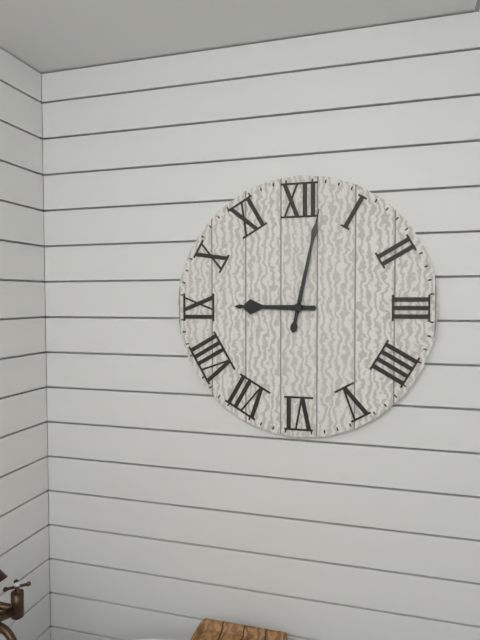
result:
9,02
